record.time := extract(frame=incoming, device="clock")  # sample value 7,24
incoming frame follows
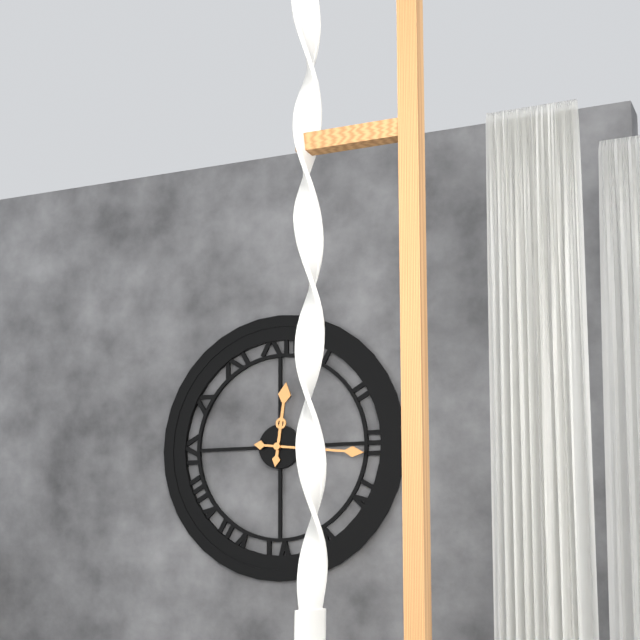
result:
12,16
